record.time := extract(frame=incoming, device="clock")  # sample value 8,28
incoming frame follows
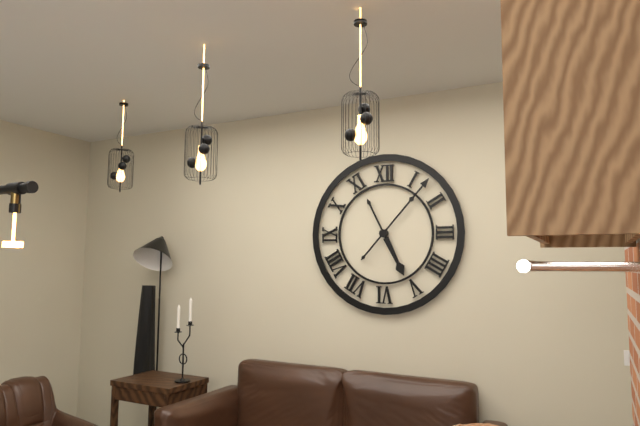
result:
5,07
